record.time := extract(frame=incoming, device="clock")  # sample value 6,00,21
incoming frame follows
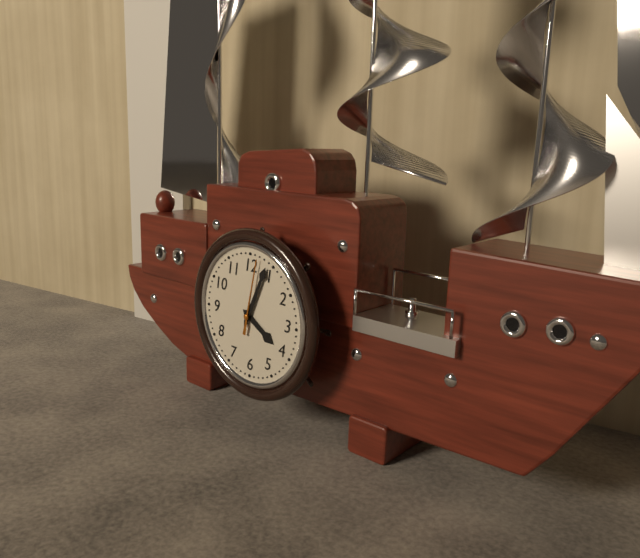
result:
4,04,02
